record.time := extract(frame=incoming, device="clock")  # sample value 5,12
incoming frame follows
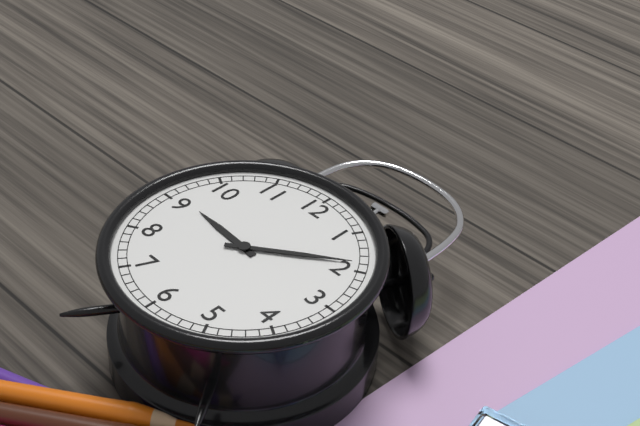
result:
9,09
